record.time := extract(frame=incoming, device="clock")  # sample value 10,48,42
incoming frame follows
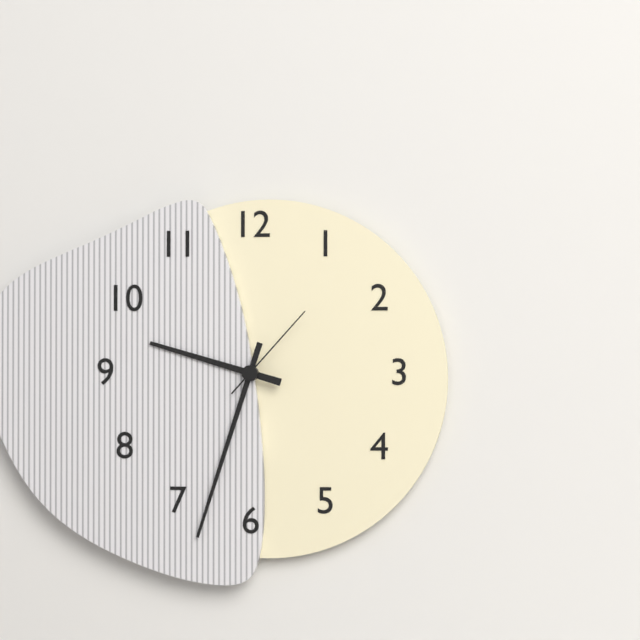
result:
9,33,07
